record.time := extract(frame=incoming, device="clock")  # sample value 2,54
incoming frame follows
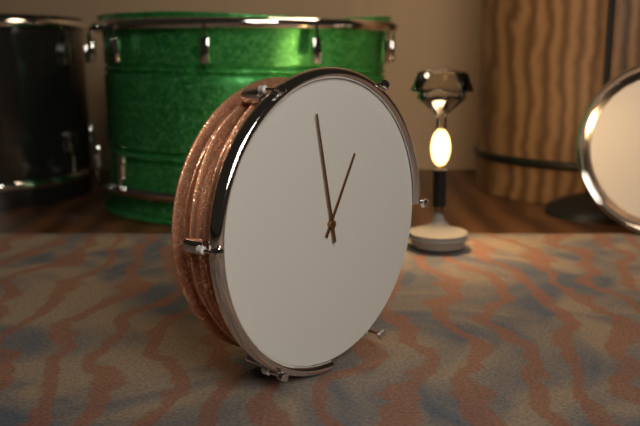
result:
12,58
